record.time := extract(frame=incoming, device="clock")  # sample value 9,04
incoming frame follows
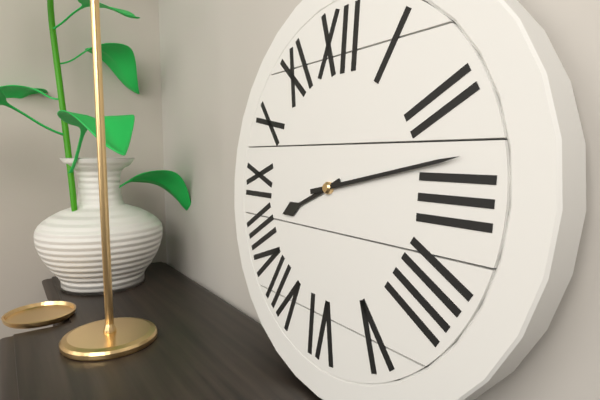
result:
8,13
